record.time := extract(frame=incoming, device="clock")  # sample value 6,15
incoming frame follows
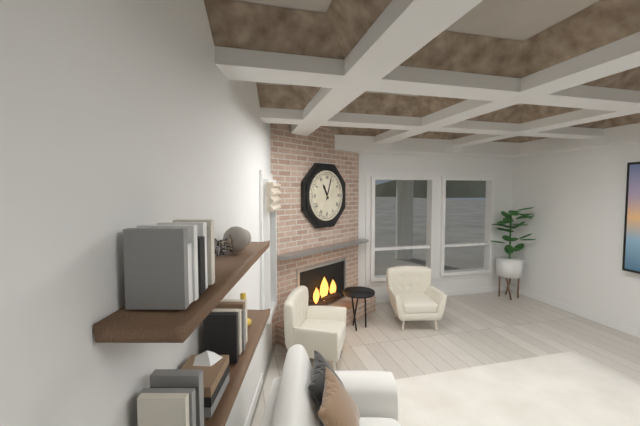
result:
11,03
